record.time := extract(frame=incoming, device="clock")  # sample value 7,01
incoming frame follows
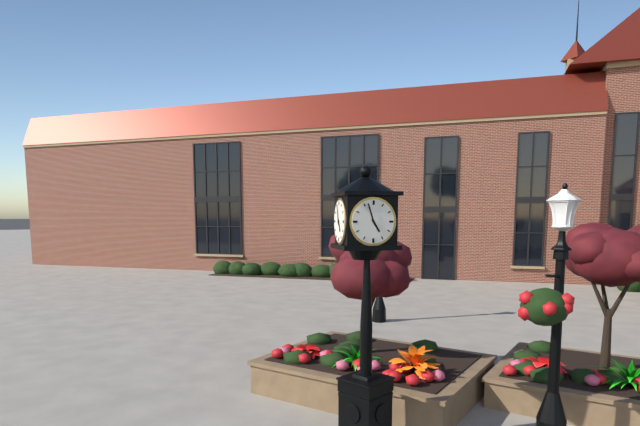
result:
4,57
